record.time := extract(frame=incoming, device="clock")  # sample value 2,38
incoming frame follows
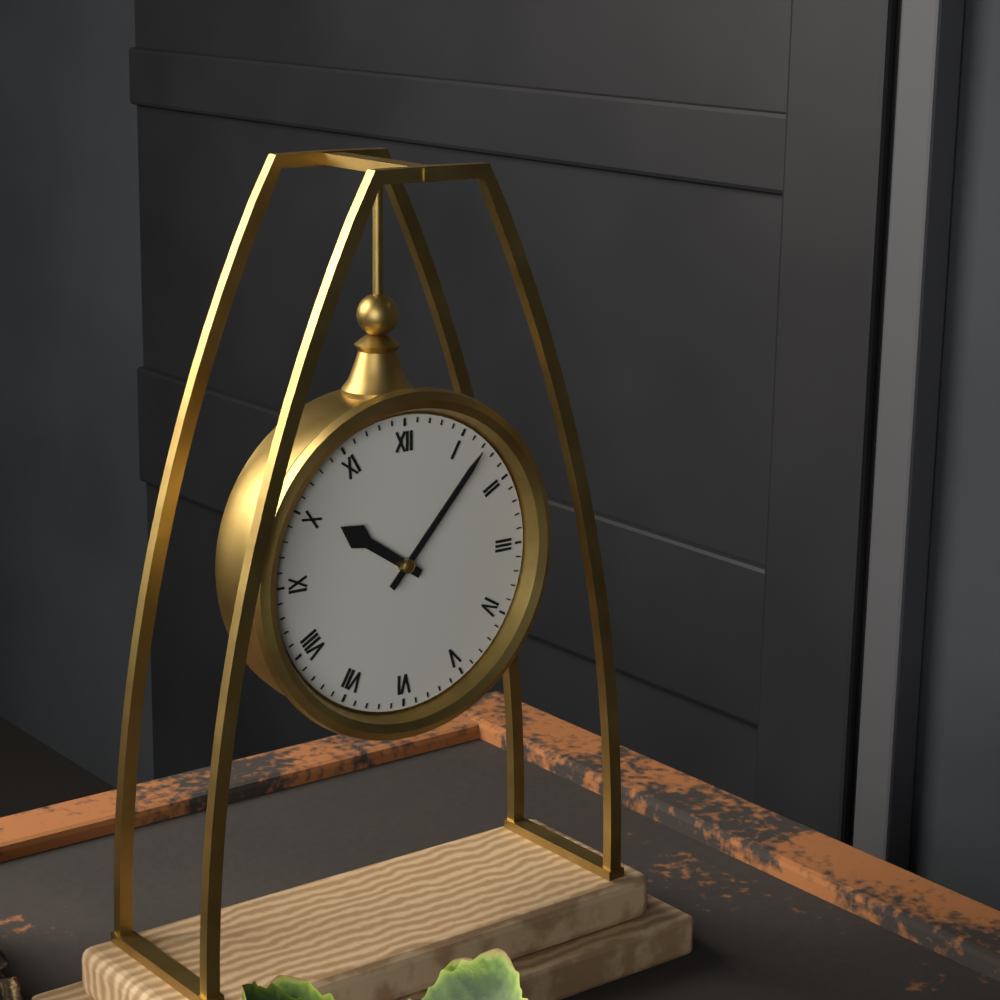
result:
10,07
